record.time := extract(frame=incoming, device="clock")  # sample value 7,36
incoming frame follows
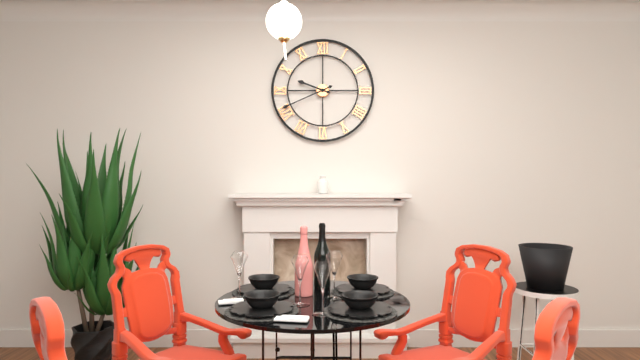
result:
9,41
